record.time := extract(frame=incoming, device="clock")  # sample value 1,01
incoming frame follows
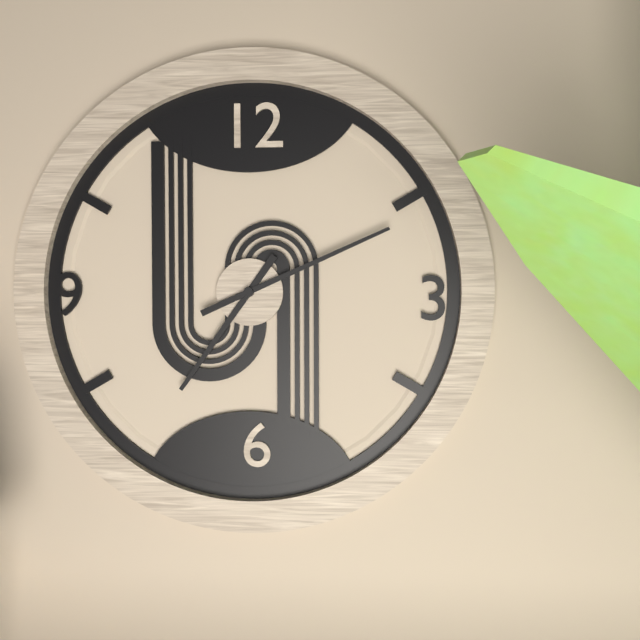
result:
7,11
